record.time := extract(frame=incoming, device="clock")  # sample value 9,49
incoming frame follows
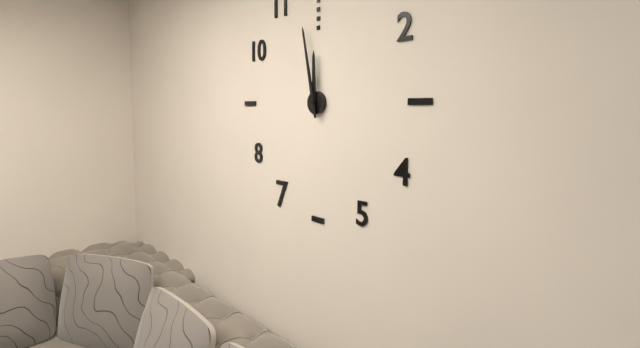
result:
11,58
